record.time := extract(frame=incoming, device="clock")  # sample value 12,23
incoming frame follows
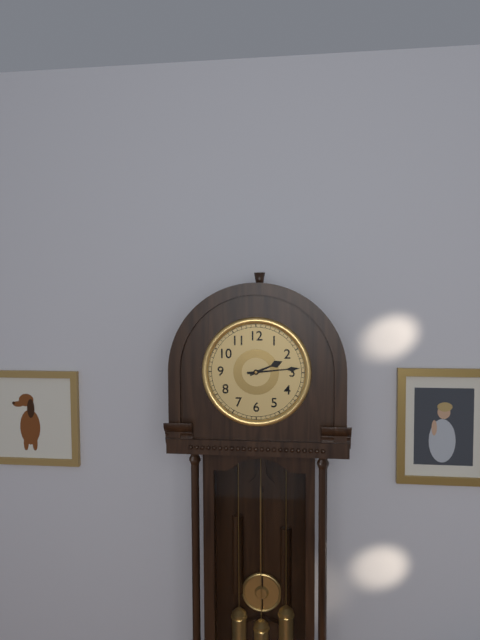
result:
2,14
